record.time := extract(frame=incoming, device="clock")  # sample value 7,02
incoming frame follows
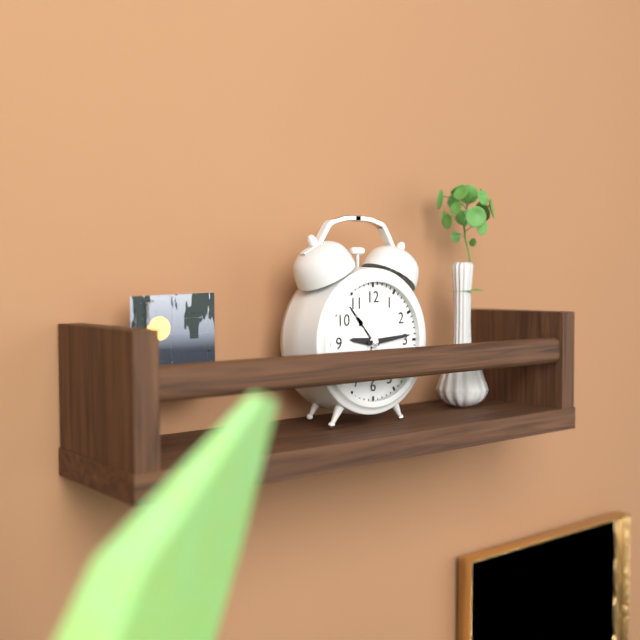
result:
9,14
